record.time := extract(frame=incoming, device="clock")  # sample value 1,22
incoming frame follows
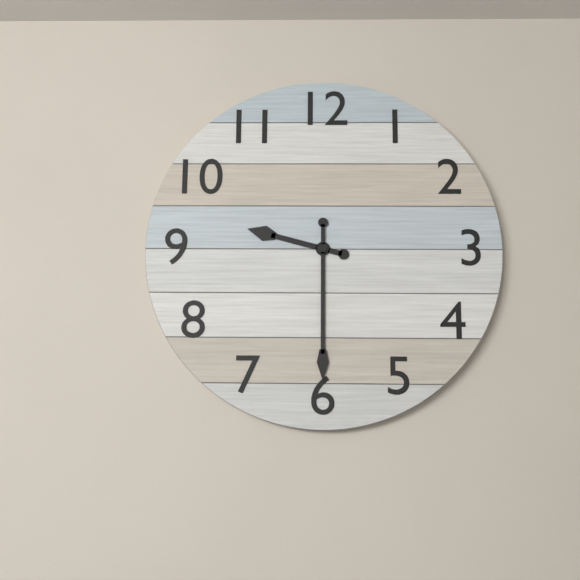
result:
9,30
